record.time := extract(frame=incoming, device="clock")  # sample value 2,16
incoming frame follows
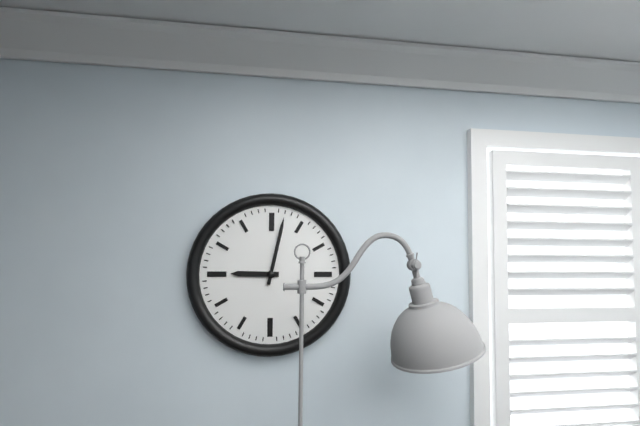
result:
9,02
